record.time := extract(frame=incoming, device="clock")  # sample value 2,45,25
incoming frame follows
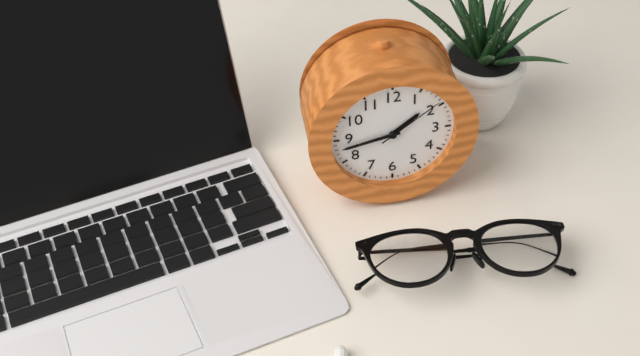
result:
1,43,09
